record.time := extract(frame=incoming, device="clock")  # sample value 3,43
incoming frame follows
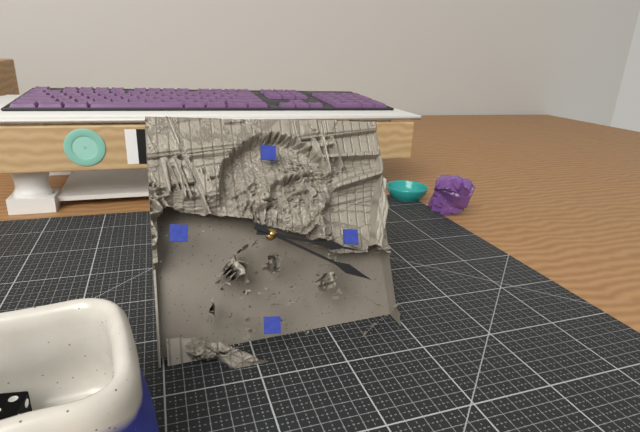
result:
3,19
